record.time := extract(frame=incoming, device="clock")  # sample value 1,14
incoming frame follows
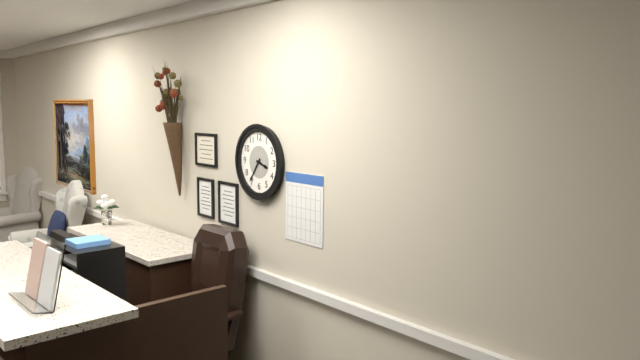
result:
3,36
